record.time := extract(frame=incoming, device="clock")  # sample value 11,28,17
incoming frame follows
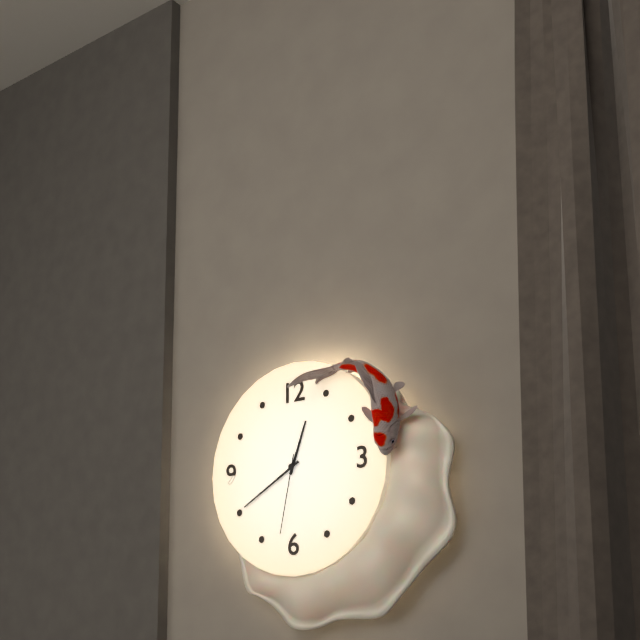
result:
12,40,32
